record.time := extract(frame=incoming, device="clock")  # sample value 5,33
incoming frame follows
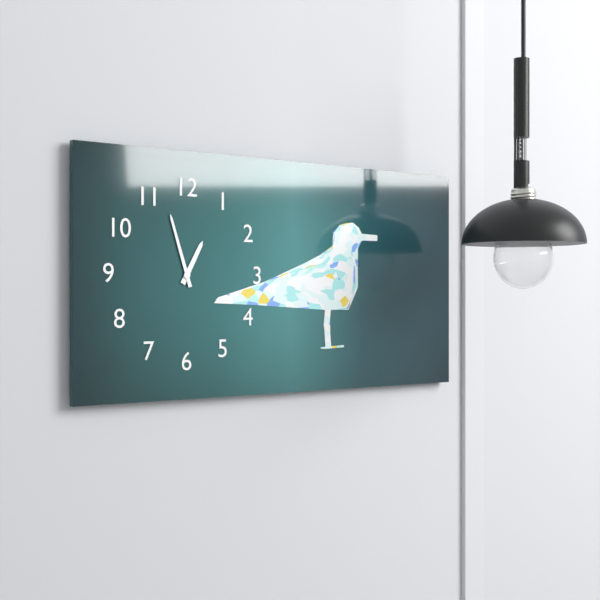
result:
12,57
